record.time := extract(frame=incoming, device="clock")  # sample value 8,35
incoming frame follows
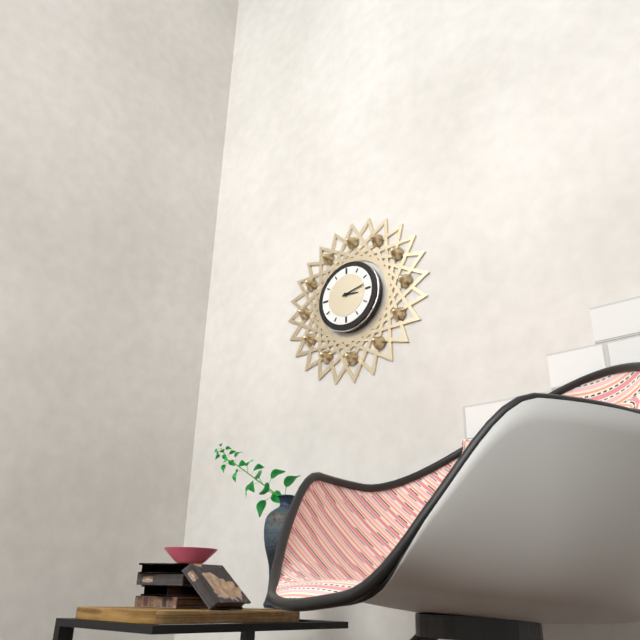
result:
3,13
